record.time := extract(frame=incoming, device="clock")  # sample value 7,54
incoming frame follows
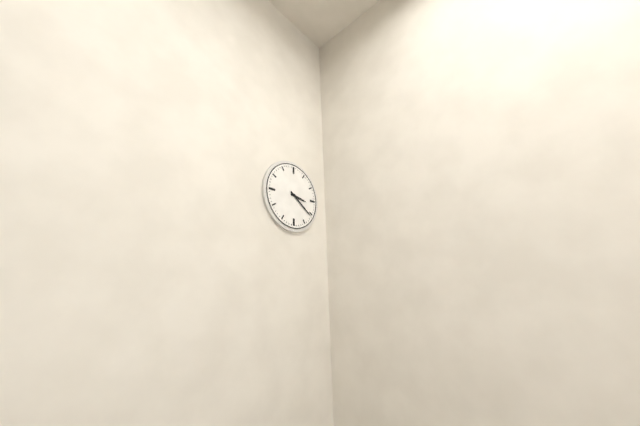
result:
3,21
